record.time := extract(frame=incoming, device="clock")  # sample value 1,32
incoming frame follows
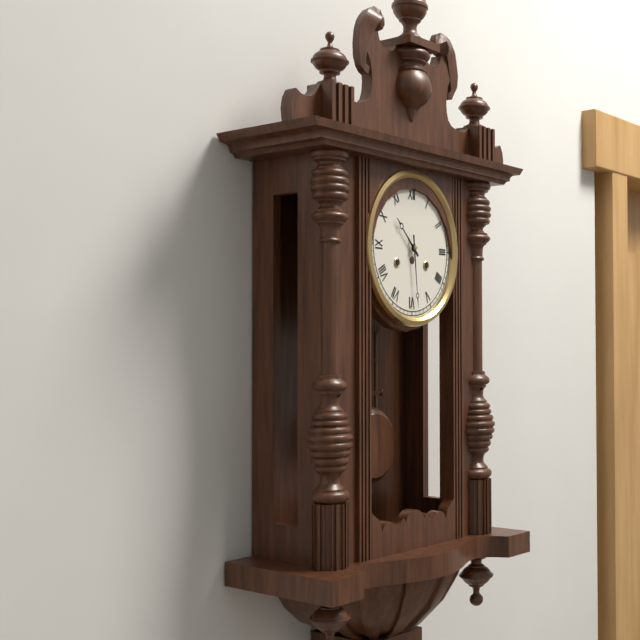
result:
10,29
